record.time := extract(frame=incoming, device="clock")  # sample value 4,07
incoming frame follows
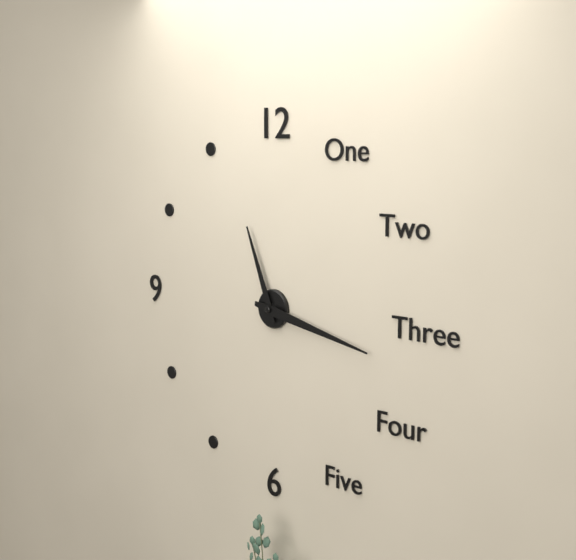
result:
11,17
